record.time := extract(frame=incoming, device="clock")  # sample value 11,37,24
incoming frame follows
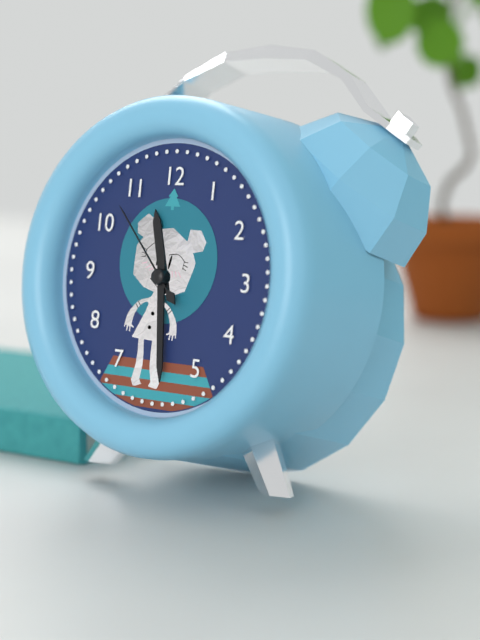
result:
11,29,53
